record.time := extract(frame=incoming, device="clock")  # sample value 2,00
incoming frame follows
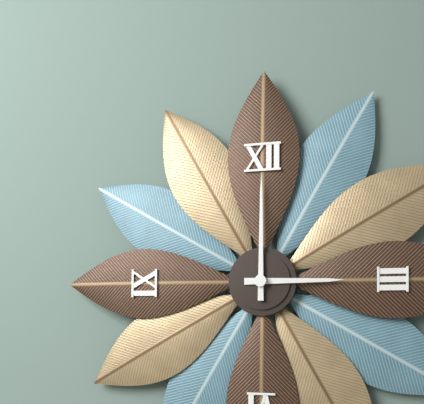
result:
3,00
